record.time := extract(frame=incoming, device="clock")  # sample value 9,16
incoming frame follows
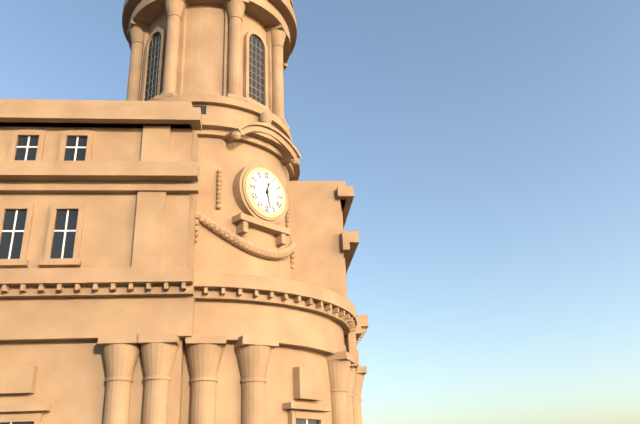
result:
12,28
